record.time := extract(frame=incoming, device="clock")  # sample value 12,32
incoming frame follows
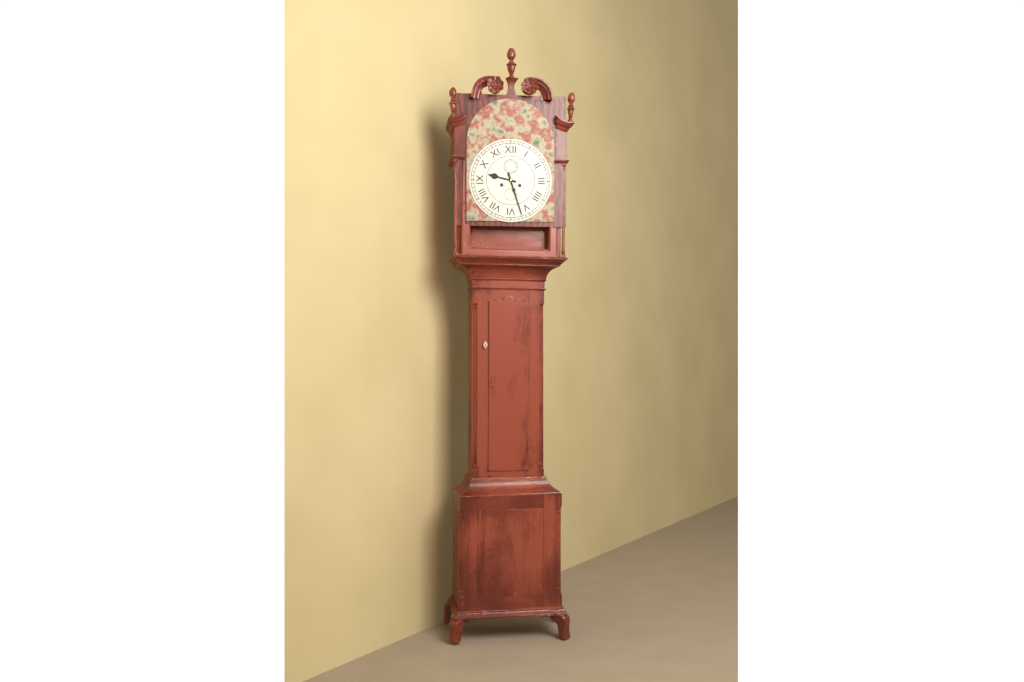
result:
9,27
